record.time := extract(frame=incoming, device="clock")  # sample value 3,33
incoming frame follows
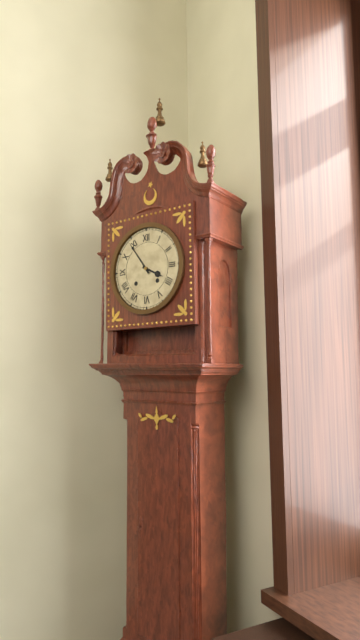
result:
3,54
